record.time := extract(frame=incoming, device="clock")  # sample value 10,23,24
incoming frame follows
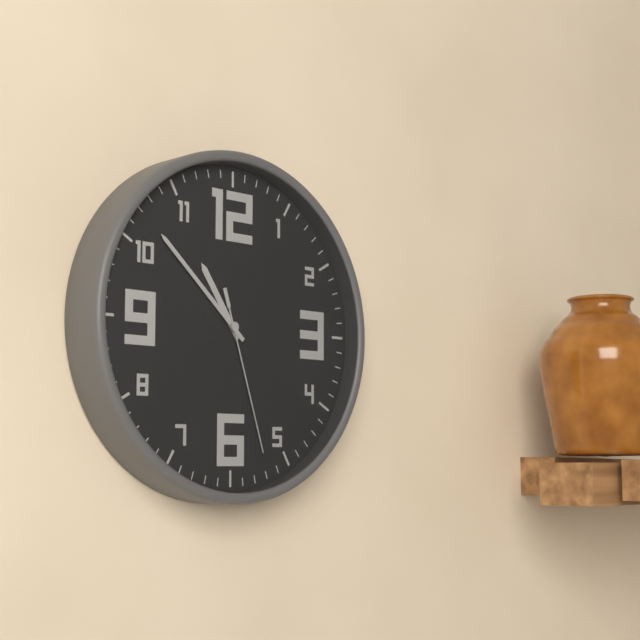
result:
10,52,27
